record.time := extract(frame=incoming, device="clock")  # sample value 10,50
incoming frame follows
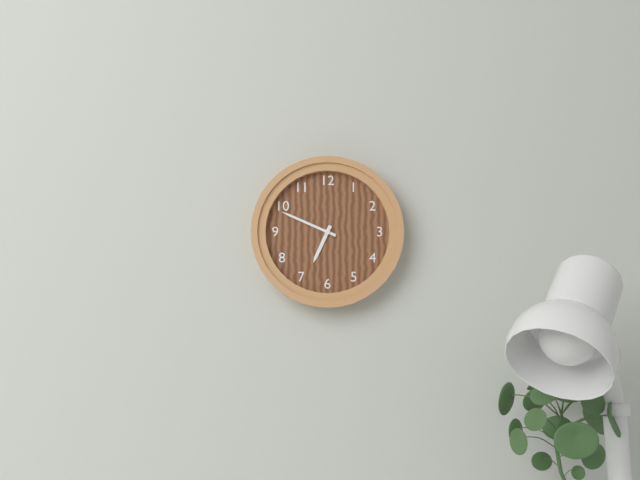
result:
6,49
